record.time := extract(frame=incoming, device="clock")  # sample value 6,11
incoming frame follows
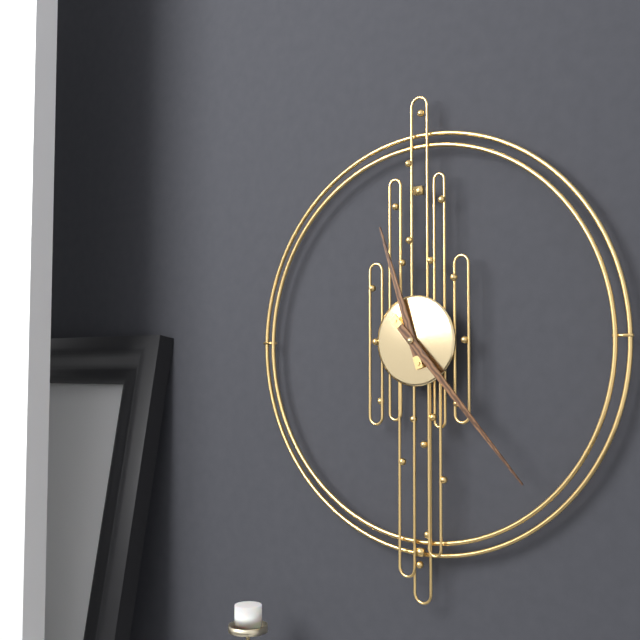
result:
11,23
